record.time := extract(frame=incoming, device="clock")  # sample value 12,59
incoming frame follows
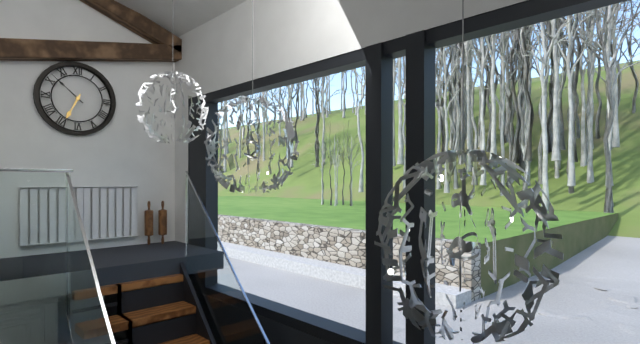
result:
6,52
